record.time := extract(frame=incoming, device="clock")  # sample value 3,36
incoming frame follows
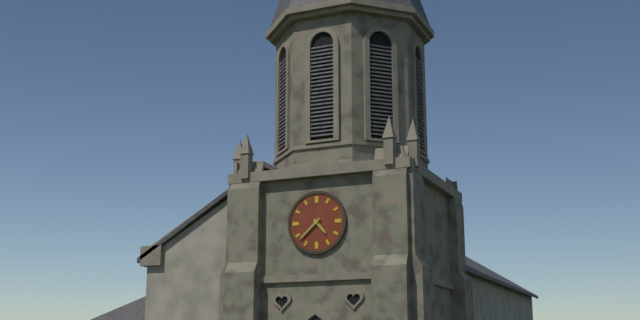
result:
4,38
